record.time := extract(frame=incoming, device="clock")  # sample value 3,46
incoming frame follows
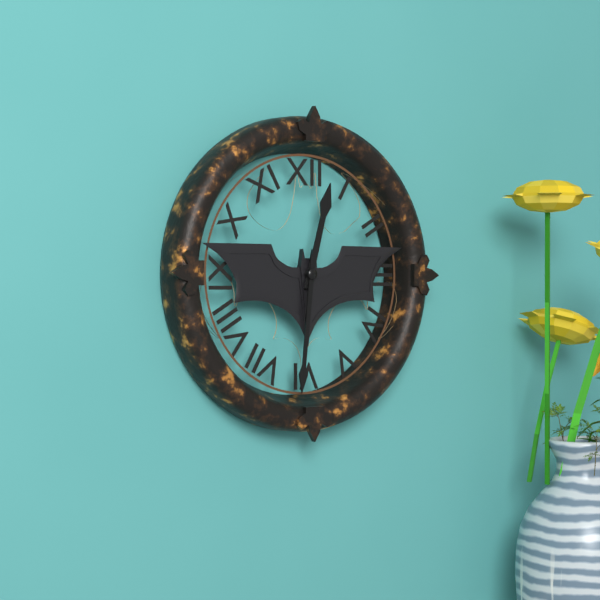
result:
12,31
